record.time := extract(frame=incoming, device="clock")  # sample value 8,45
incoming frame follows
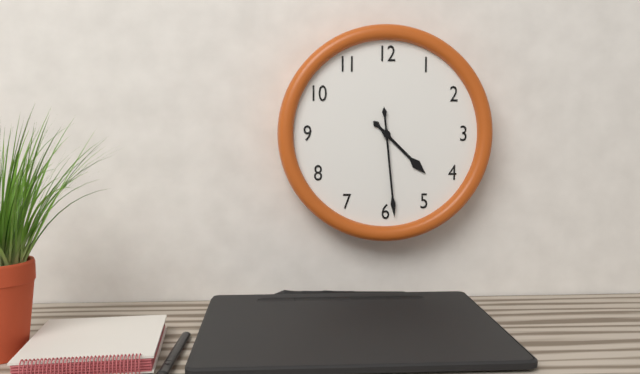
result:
4,29
